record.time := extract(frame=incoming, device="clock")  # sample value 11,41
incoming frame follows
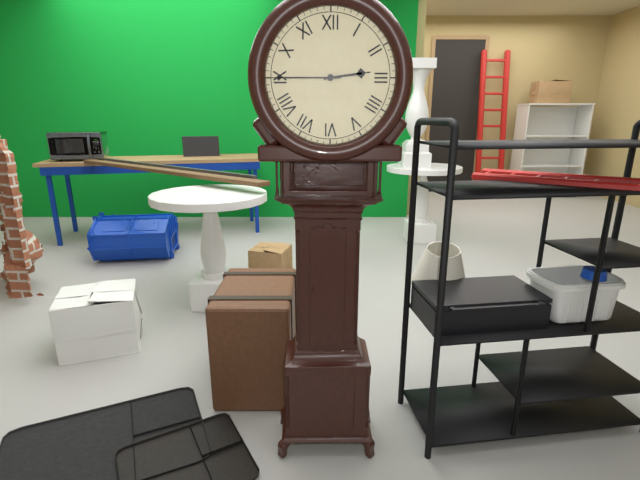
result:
2,45
